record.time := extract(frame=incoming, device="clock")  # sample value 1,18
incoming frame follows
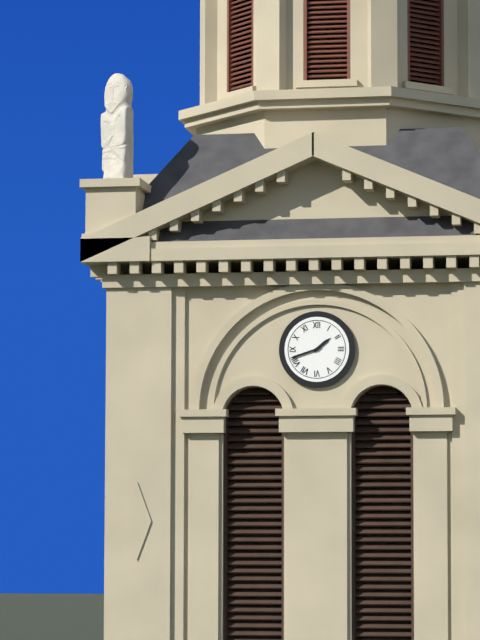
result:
1,42
